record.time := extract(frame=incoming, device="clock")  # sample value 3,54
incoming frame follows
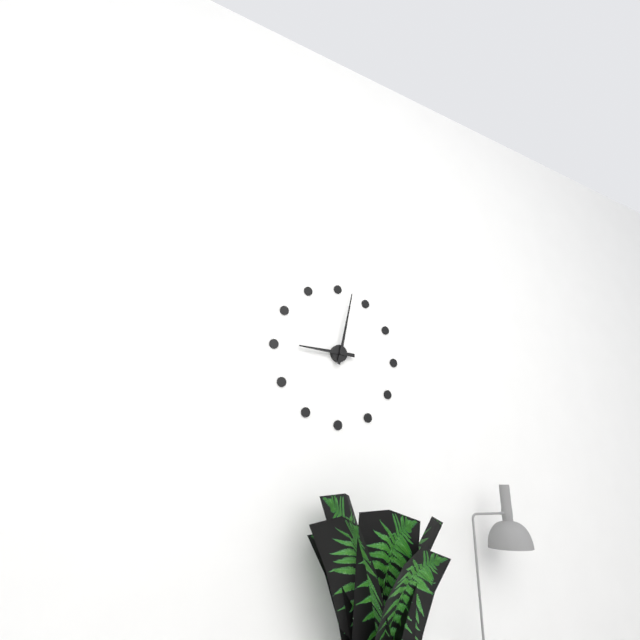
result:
9,02
